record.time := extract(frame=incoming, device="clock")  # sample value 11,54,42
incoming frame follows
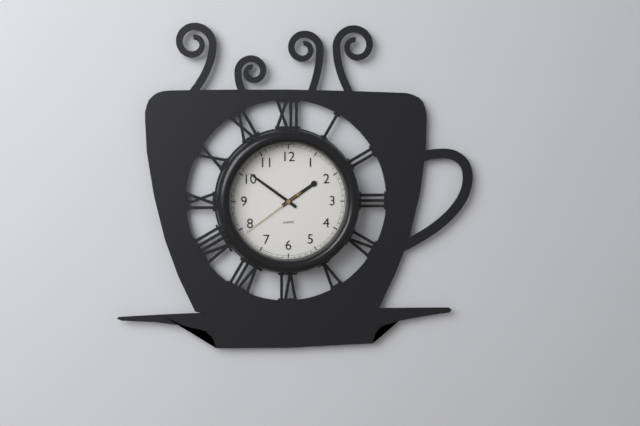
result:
1,51,39
